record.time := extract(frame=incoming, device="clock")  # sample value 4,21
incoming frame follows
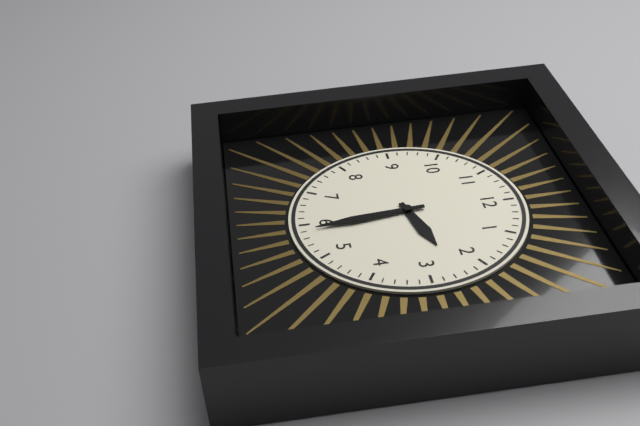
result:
2,29
